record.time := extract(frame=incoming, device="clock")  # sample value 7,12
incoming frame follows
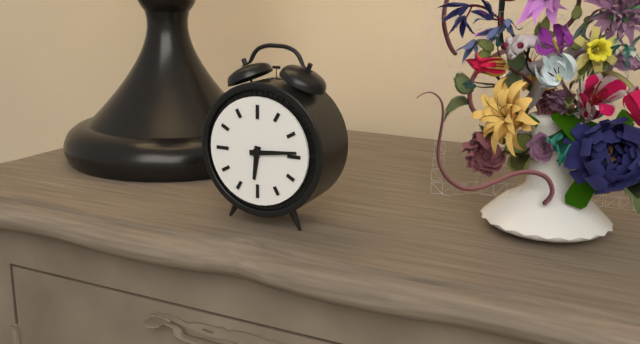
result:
6,14
